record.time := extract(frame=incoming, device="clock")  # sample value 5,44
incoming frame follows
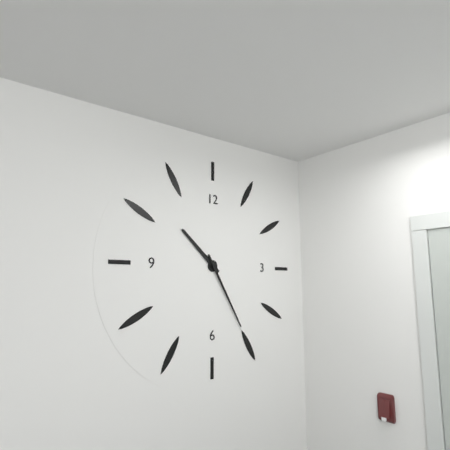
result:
10,25
